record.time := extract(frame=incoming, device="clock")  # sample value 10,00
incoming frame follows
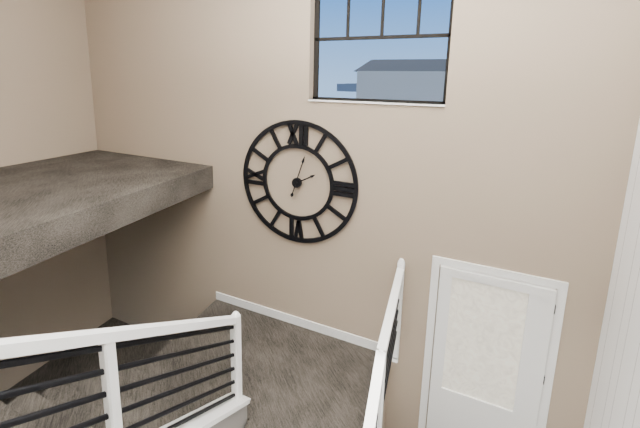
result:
2,03
